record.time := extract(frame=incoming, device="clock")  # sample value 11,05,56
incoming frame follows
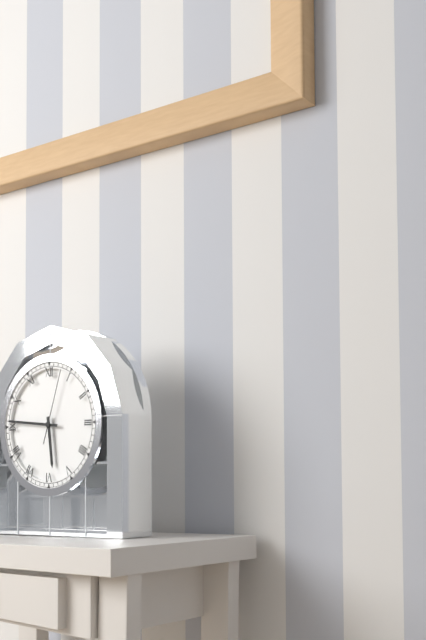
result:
5,46,03
